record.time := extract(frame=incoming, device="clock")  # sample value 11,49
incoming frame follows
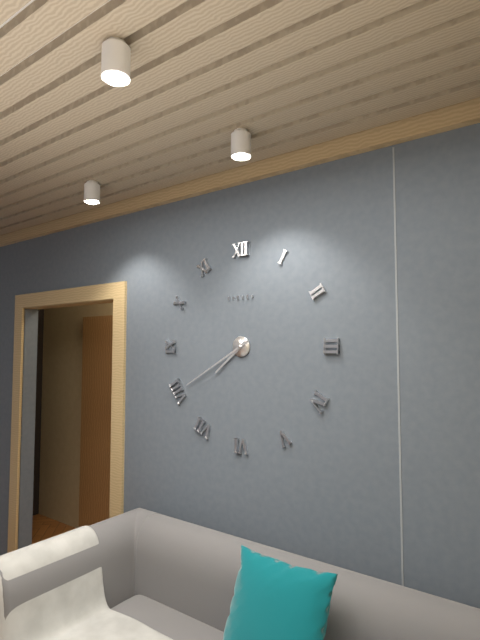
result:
7,40
